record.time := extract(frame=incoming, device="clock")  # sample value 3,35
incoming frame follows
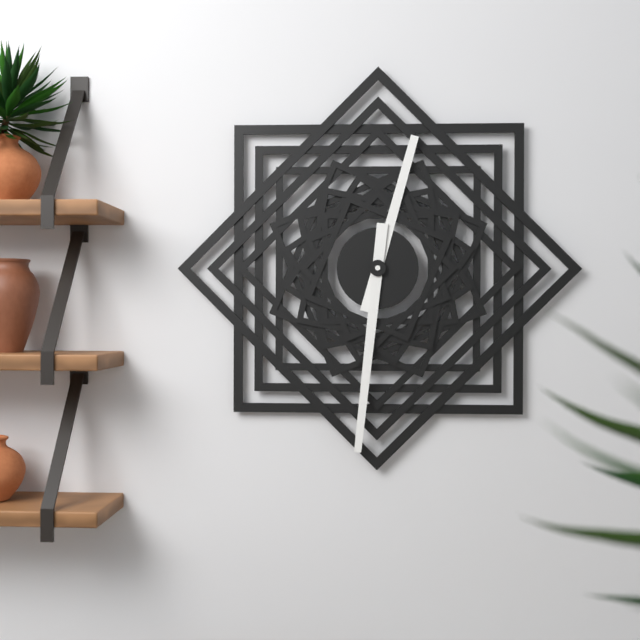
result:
12,31
